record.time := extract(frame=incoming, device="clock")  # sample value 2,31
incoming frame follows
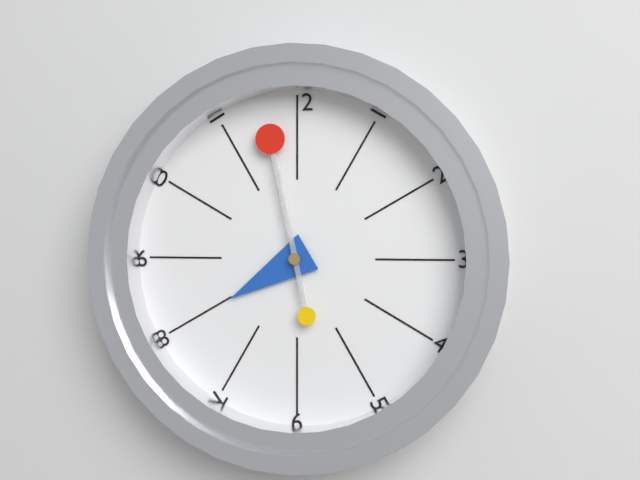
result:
7,58
